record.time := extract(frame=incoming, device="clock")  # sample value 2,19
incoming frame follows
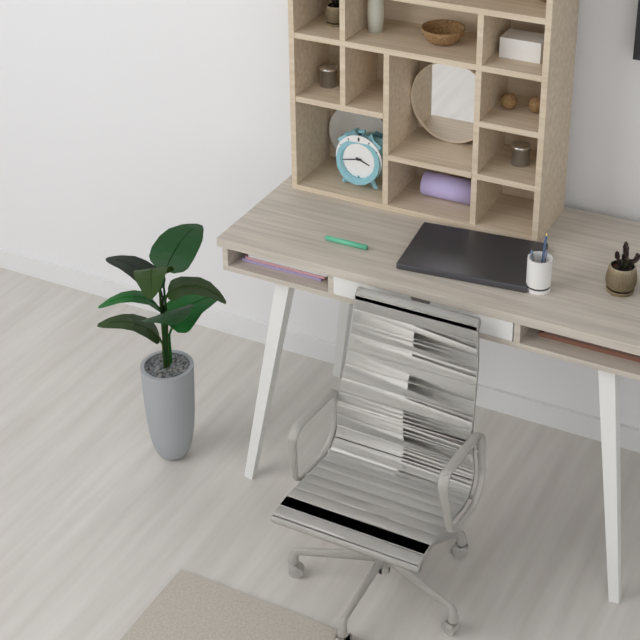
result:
3,43
